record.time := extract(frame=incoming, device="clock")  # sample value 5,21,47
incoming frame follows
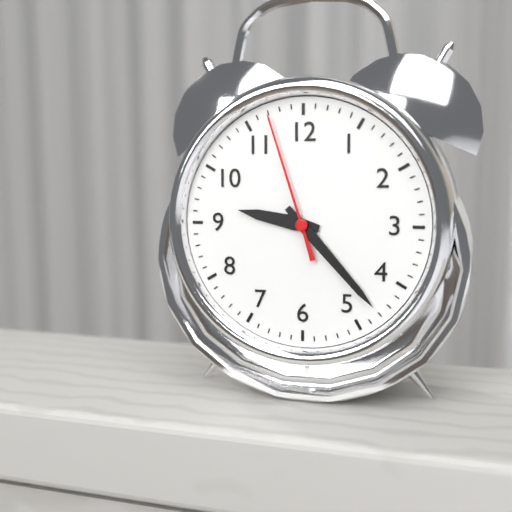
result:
9,23,57
